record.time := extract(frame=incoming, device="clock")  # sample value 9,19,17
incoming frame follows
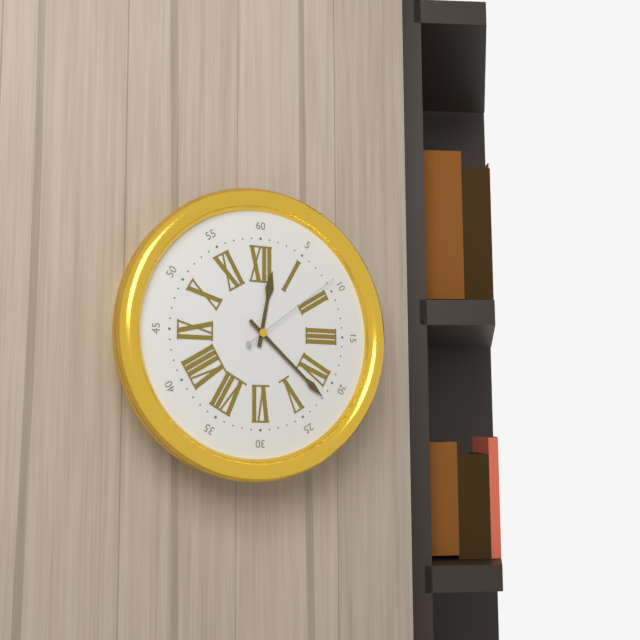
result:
12,22,09
